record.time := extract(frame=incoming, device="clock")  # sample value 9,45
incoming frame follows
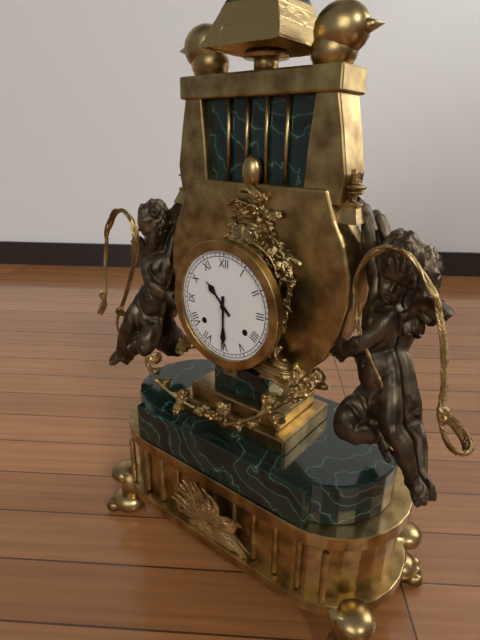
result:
10,30
